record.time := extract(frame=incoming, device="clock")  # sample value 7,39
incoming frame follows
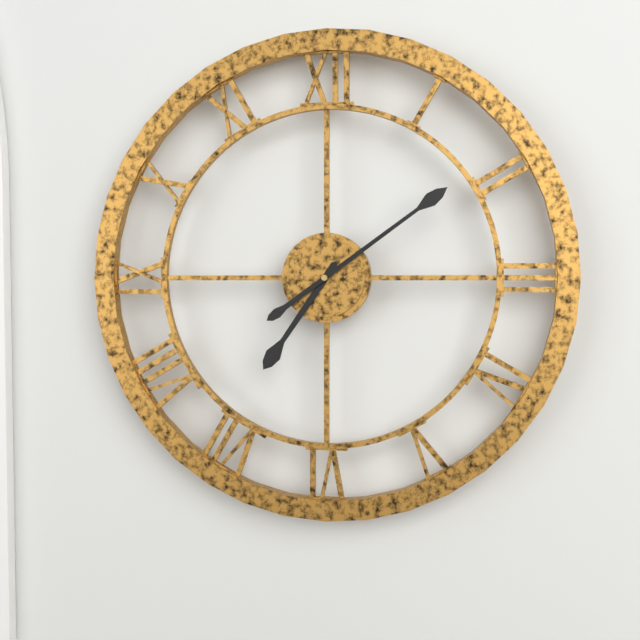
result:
7,09
